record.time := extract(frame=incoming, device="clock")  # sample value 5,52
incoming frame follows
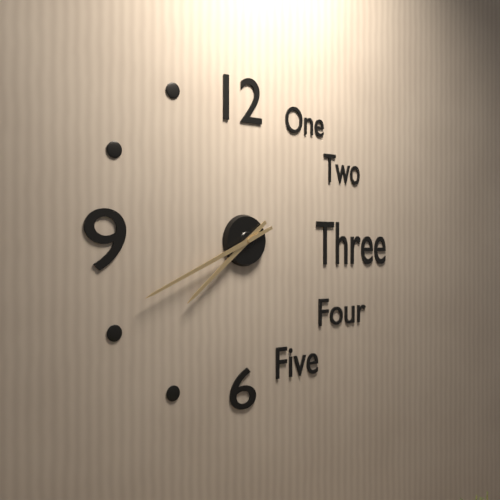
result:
7,41
